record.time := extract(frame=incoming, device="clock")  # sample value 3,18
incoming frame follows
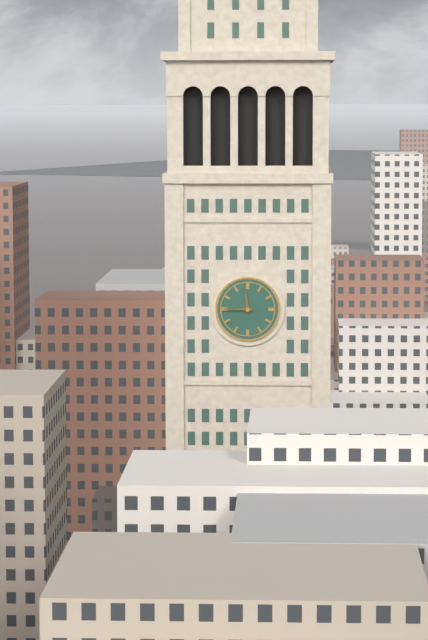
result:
11,45
